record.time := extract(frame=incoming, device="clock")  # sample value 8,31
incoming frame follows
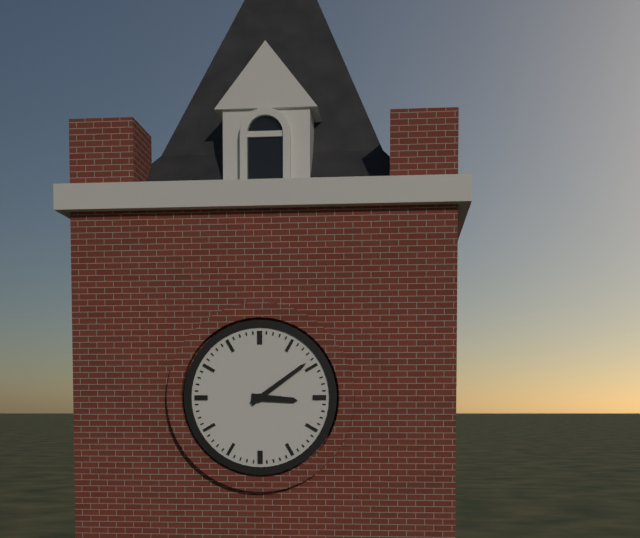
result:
3,09
